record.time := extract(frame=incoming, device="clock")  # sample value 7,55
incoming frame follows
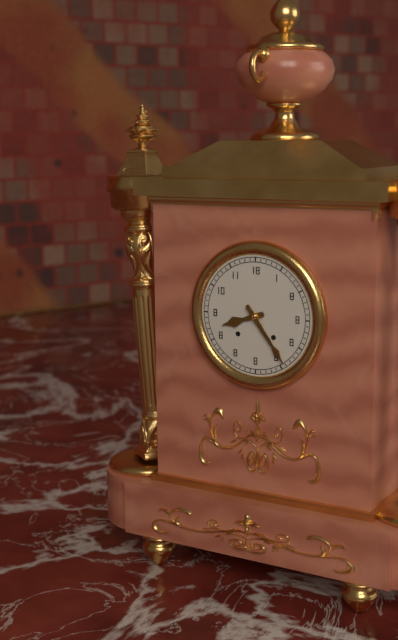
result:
8,24
